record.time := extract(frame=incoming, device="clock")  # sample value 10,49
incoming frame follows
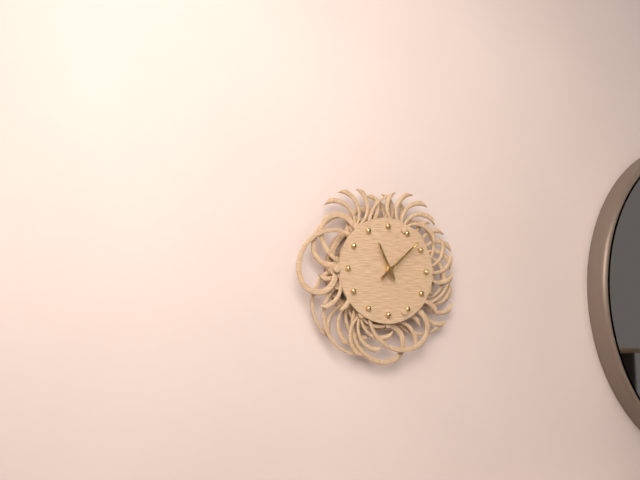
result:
11,08
